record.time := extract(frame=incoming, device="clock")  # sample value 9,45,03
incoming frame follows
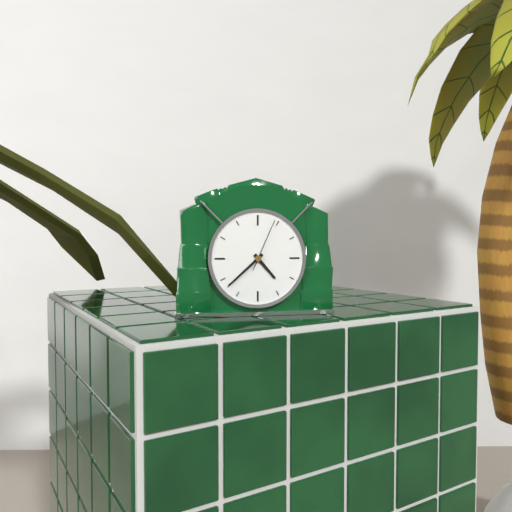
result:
4,38,04
